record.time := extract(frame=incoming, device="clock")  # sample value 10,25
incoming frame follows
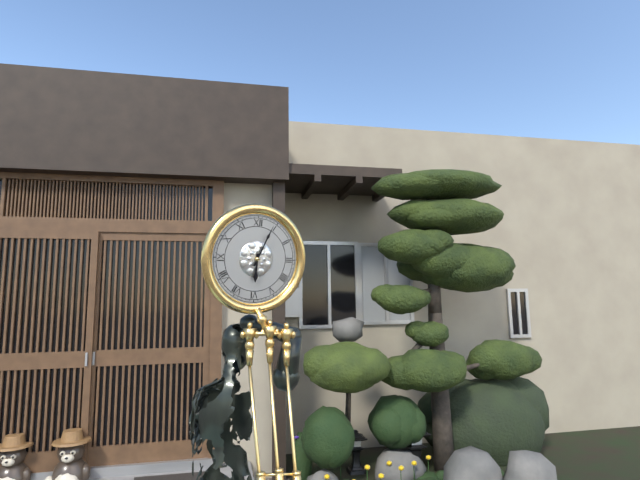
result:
6,04
